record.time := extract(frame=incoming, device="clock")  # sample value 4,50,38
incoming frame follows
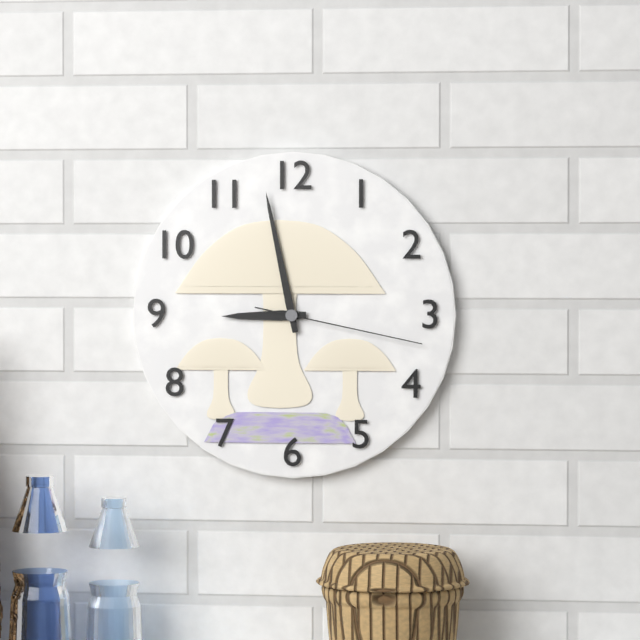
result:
8,58,17
